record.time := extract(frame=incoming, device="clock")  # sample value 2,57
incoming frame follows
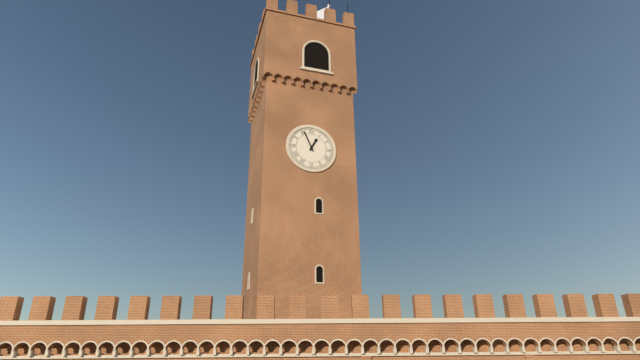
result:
12,56
